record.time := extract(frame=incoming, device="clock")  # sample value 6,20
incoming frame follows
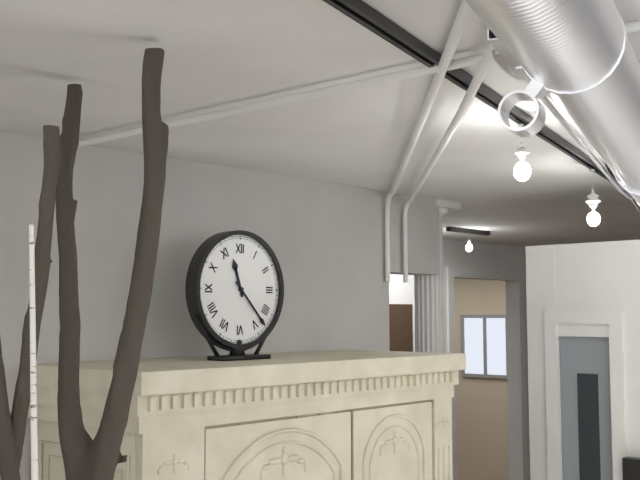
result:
11,23
